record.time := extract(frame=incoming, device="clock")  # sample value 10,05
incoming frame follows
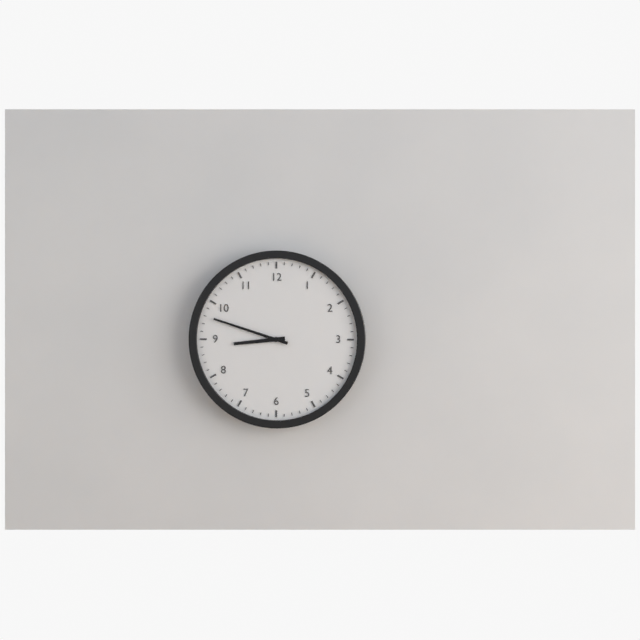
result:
8,48
